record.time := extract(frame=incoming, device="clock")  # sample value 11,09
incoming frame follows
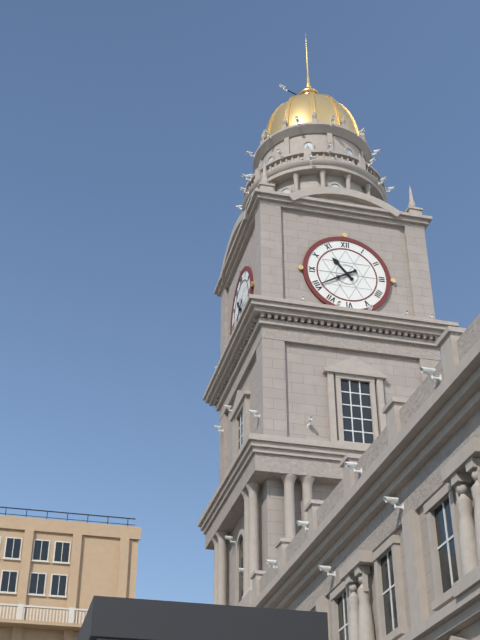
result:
10,40
